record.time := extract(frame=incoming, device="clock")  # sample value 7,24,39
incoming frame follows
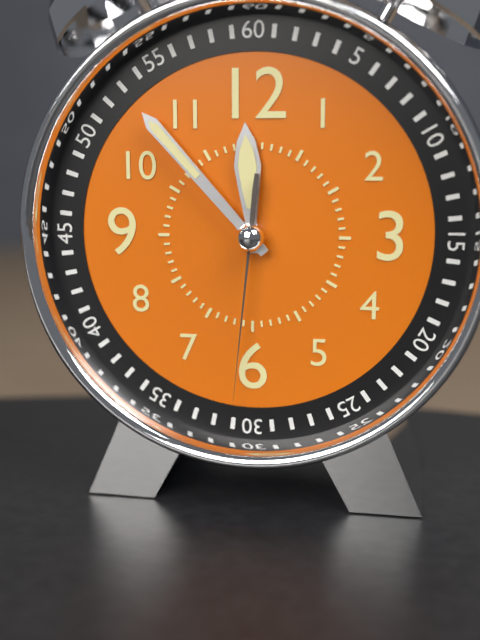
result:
11,53,31
